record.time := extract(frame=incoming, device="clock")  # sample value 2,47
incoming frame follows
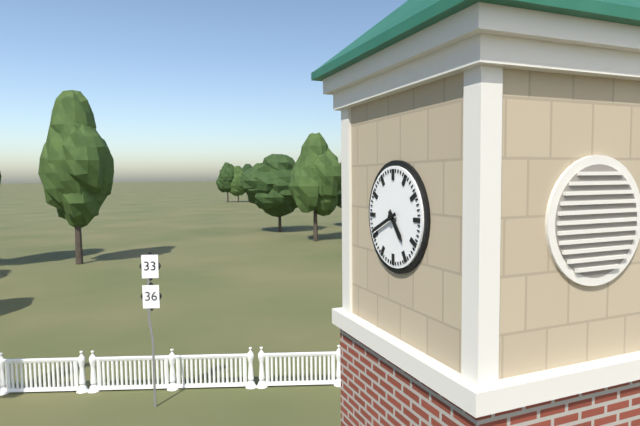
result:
4,41
